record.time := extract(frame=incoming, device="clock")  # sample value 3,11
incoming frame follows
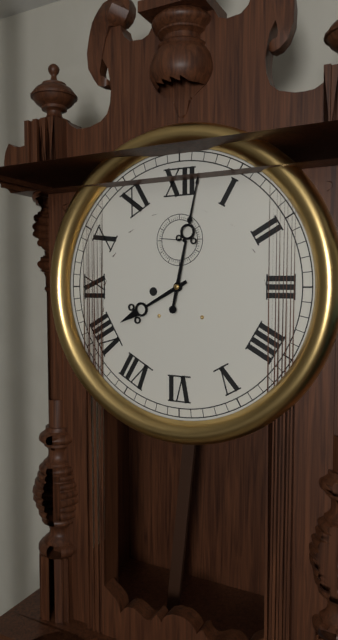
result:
8,02
